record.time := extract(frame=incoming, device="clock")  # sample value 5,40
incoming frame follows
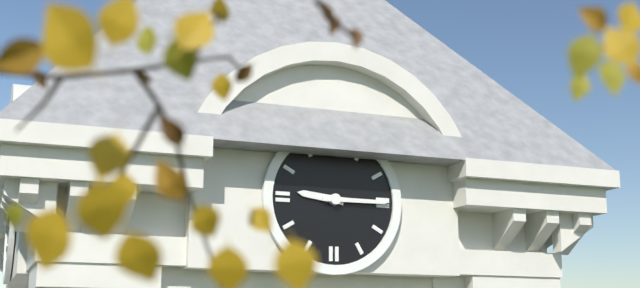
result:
9,15
